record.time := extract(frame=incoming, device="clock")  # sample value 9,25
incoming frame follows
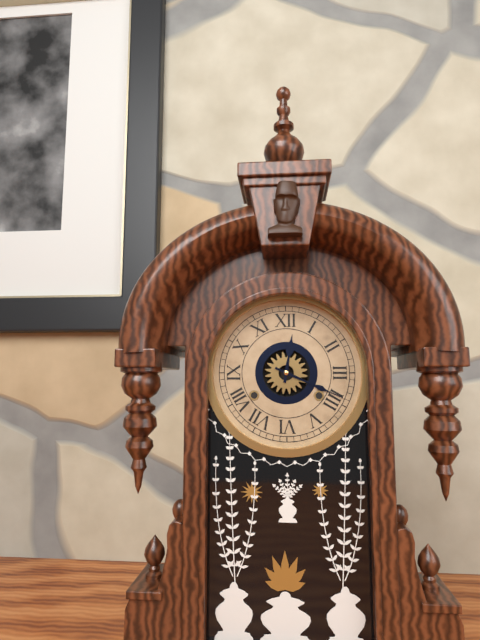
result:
12,19
